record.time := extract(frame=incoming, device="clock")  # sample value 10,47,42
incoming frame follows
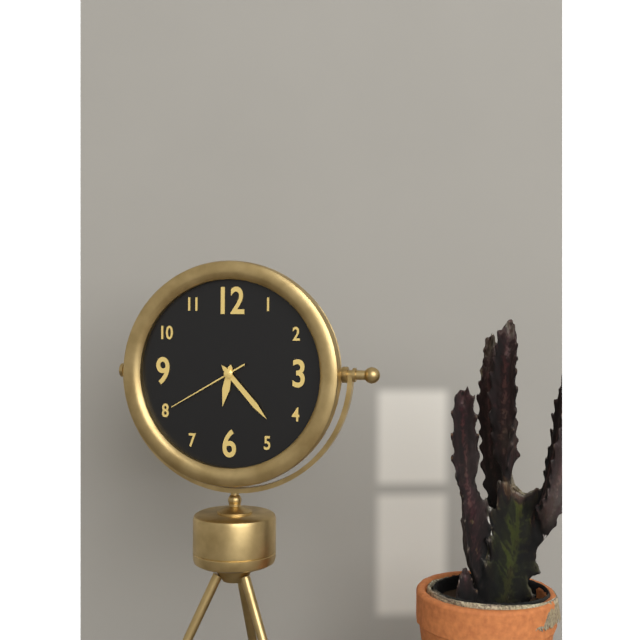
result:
6,23,40
